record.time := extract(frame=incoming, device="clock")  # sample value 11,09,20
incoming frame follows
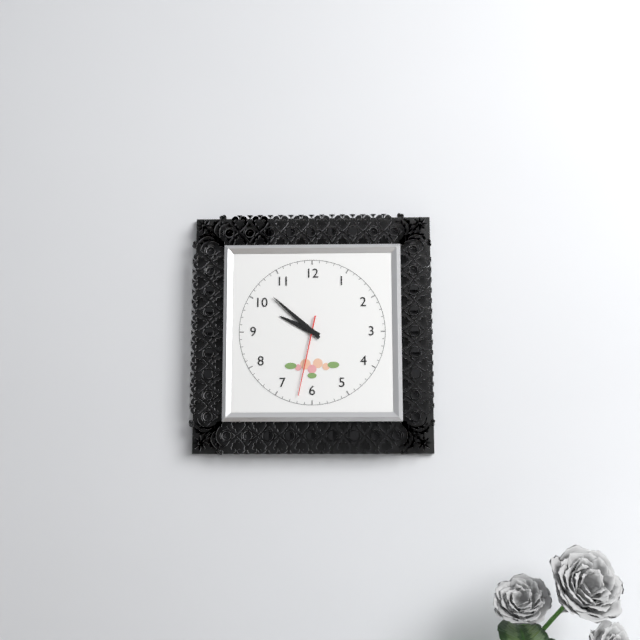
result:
9,52,32
